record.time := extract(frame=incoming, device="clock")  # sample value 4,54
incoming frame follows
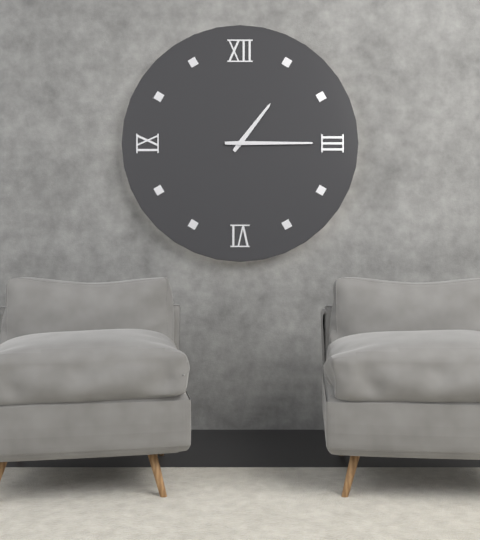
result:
1,15
